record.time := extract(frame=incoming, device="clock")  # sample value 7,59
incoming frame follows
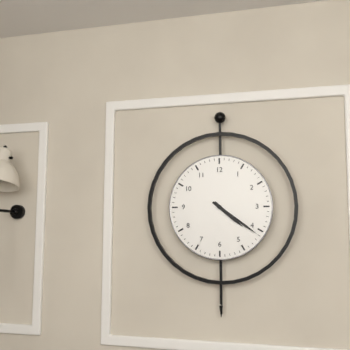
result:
4,21
